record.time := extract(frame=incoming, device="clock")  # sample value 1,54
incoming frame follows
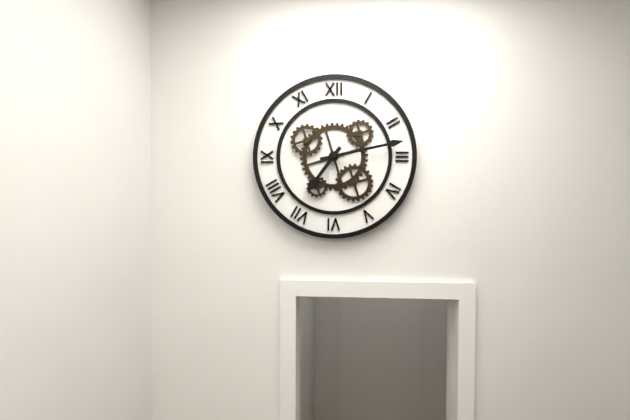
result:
7,13
